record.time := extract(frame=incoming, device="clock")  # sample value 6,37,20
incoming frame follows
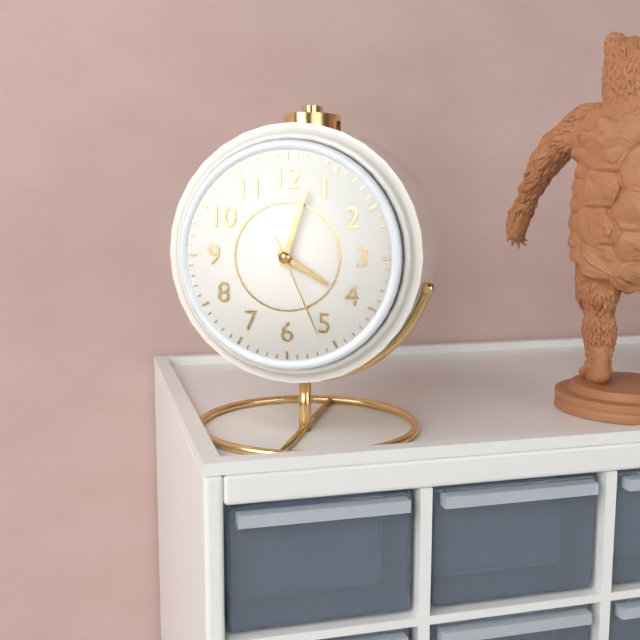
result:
4,03,26
